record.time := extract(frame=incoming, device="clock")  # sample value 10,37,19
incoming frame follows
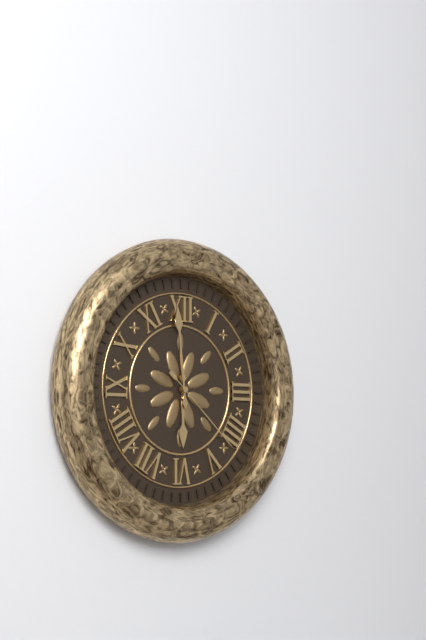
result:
5,59,22
